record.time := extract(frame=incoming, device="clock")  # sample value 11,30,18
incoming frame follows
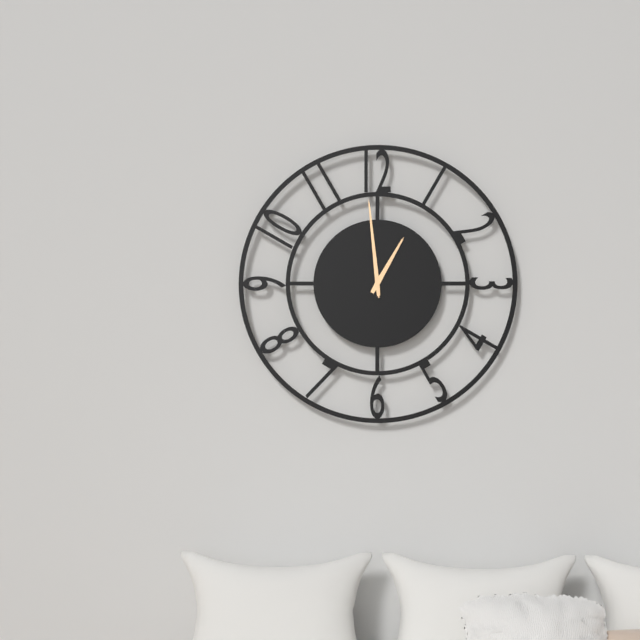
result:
12,59,59
